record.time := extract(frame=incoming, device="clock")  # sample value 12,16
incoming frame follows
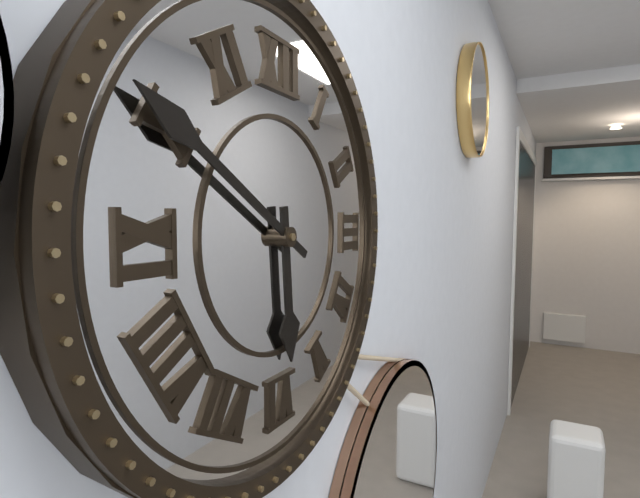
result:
5,50
